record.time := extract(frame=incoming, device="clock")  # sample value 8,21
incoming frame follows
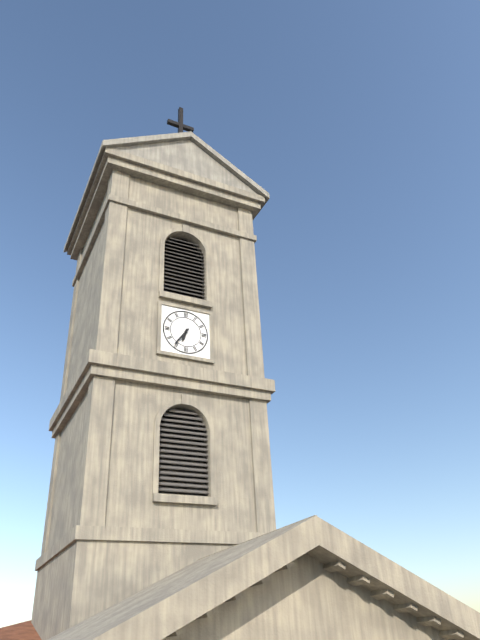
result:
6,36
